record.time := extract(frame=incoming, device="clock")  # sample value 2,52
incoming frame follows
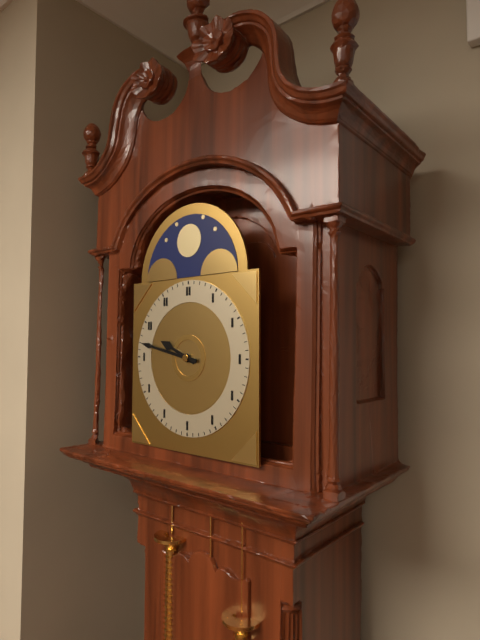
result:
9,47
